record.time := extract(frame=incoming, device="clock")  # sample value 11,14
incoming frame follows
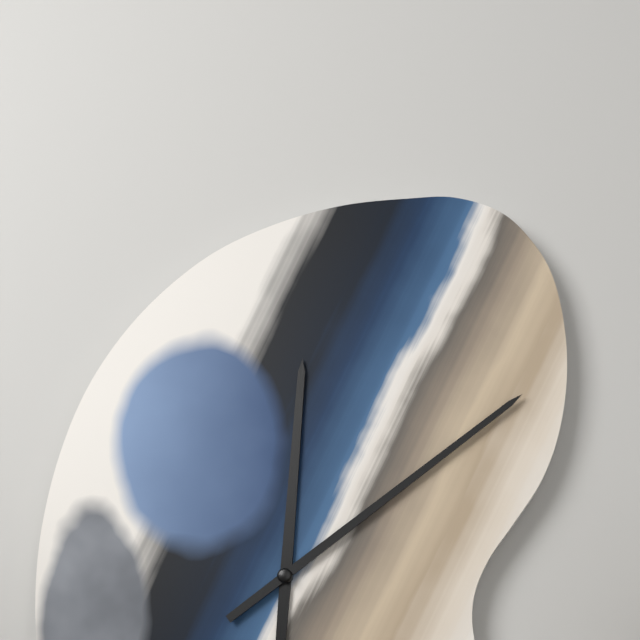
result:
12,09
